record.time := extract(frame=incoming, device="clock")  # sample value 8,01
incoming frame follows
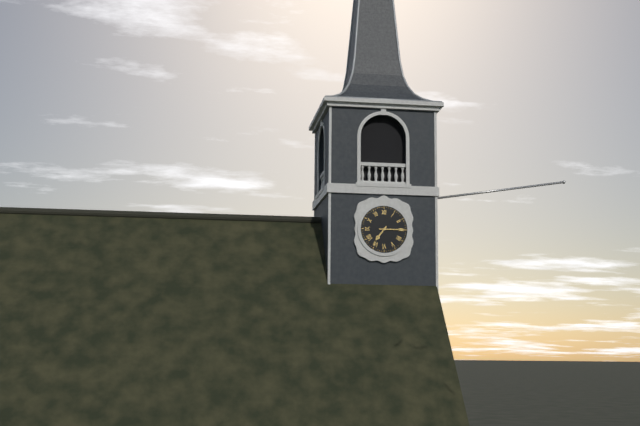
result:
7,15
